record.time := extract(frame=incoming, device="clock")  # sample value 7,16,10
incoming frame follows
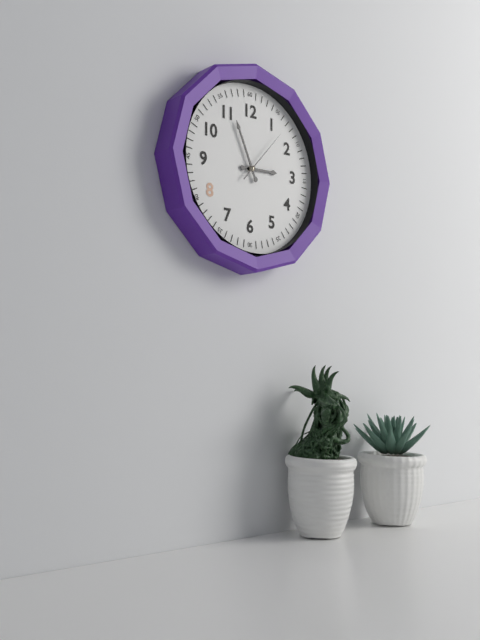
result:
2,56,07
